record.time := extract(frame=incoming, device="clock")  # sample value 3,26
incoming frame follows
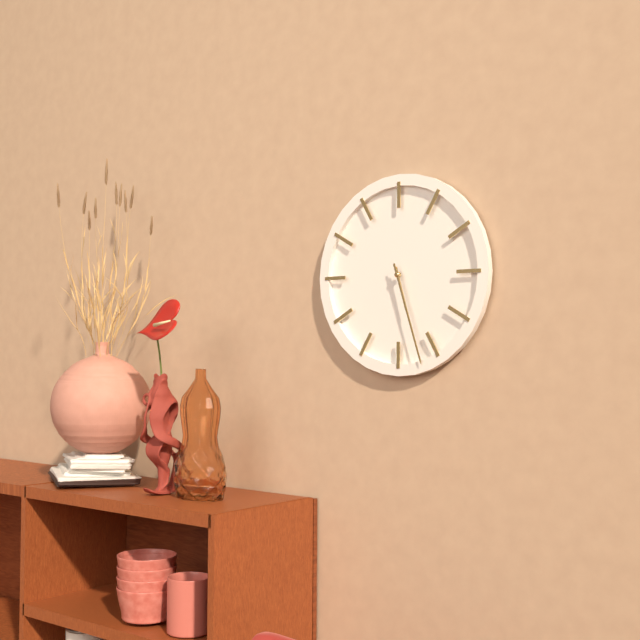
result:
5,27
